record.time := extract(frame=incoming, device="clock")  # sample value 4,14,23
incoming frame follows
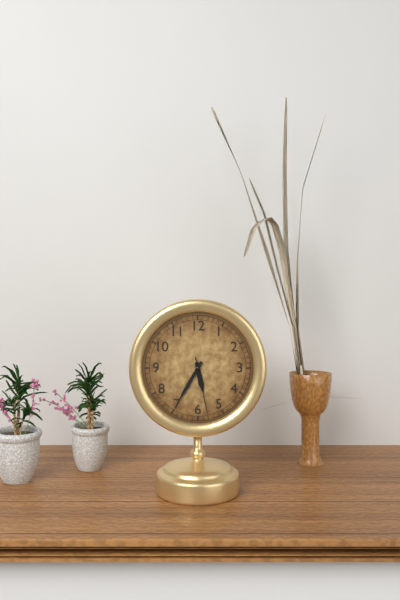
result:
5,35,28
